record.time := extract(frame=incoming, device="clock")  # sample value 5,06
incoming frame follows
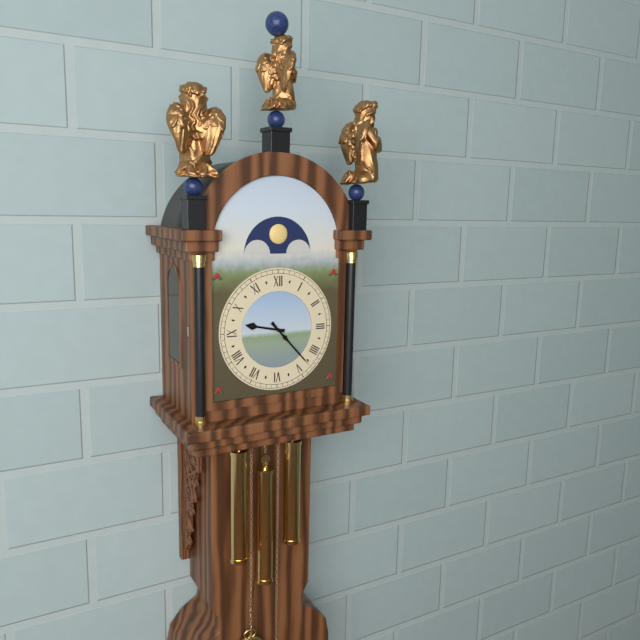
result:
9,23
